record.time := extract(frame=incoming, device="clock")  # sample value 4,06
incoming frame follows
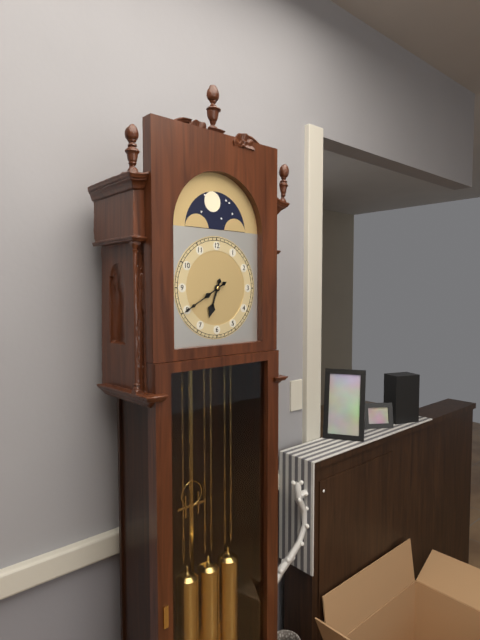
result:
6,40
